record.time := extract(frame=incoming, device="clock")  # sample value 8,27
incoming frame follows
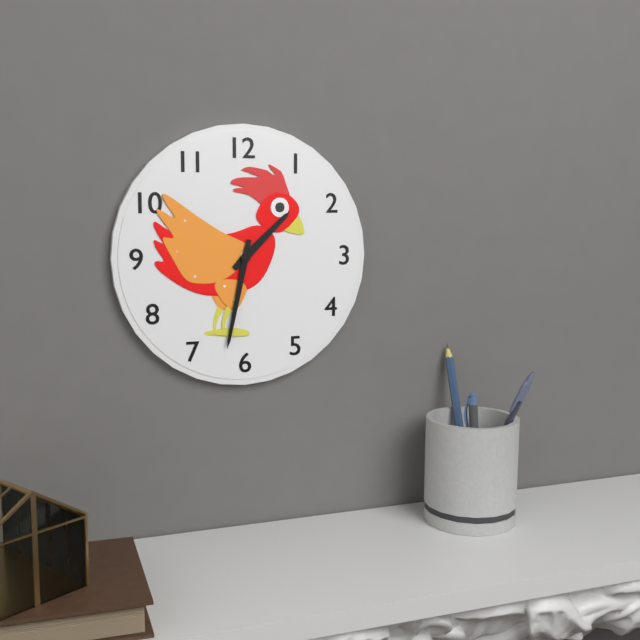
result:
1,32
